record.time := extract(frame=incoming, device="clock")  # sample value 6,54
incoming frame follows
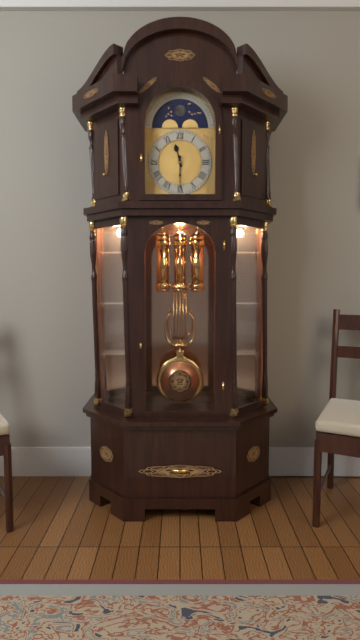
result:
11,30
